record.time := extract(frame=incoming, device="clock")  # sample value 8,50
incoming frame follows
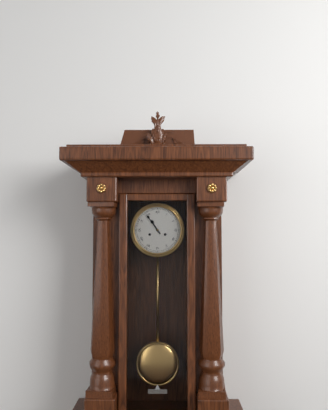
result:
10,54
